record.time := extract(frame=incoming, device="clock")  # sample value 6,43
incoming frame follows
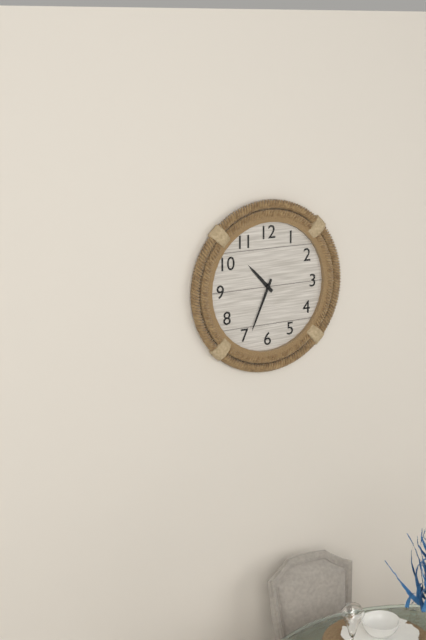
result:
10,34
